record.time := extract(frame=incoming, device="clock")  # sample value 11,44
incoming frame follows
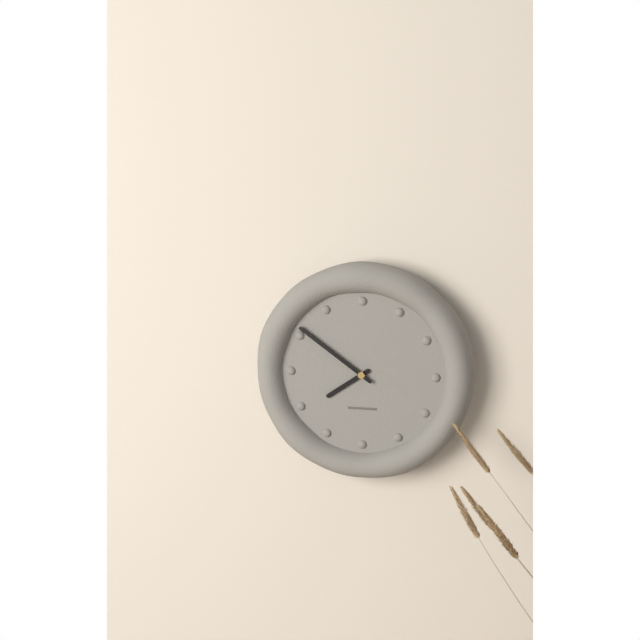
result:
7,51
